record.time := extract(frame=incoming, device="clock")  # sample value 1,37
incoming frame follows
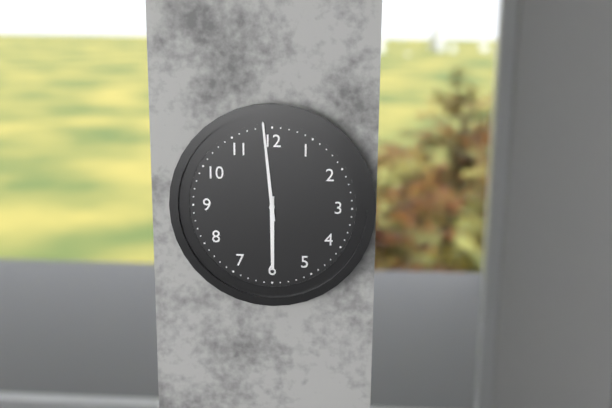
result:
5,59
